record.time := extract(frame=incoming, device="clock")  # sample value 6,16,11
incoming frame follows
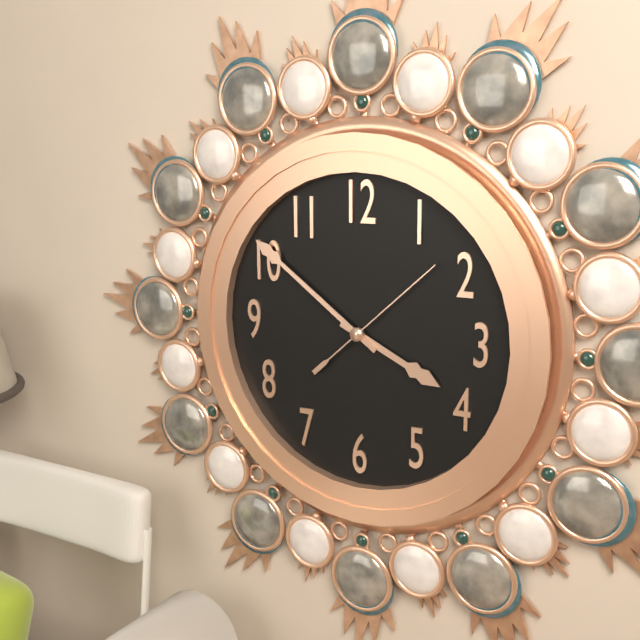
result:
3,51,08
